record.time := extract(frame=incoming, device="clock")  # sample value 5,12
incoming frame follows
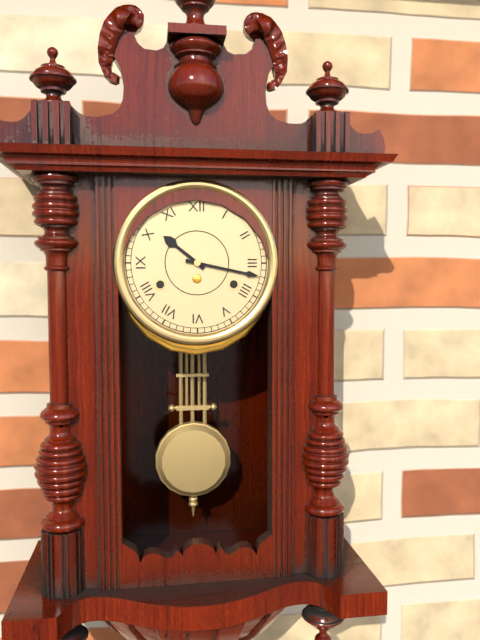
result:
10,17
